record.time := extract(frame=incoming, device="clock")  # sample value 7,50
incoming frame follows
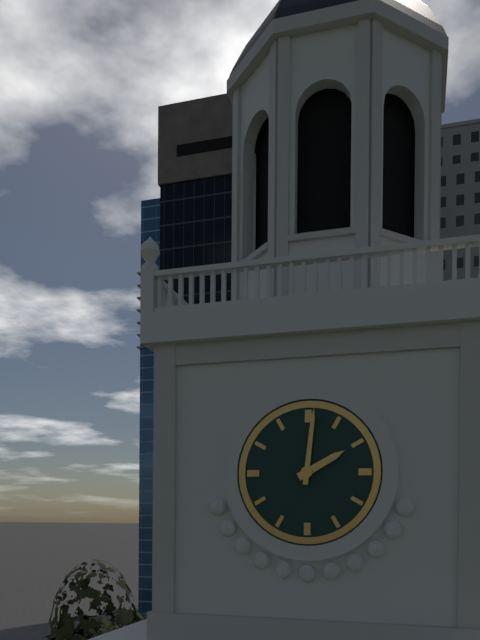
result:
2,01
